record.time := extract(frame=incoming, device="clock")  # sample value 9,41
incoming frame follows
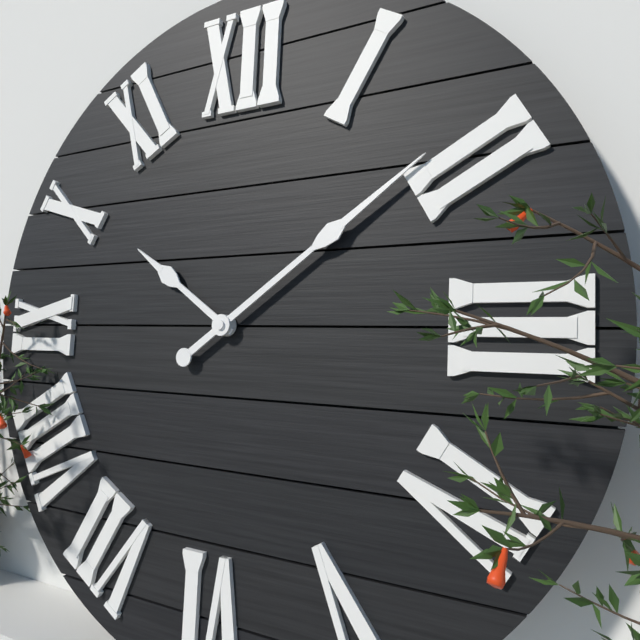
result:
10,09
